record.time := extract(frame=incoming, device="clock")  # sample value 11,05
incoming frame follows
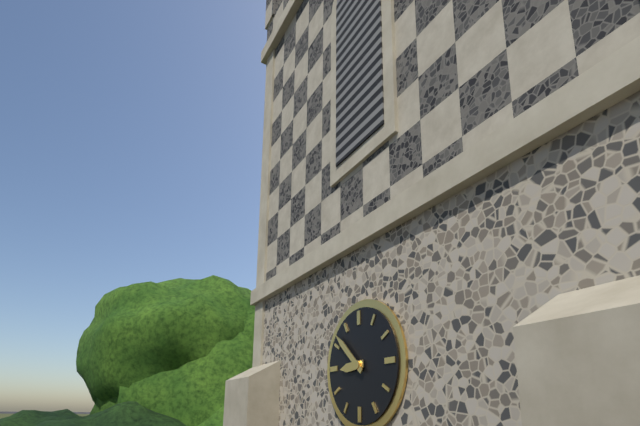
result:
8,52
